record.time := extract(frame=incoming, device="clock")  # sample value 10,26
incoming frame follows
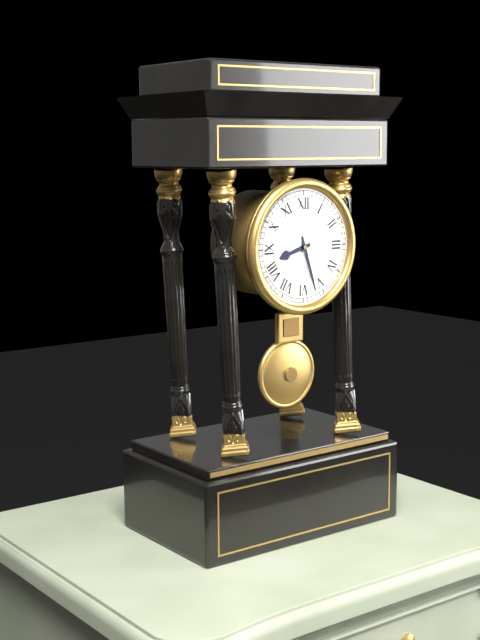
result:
8,27
